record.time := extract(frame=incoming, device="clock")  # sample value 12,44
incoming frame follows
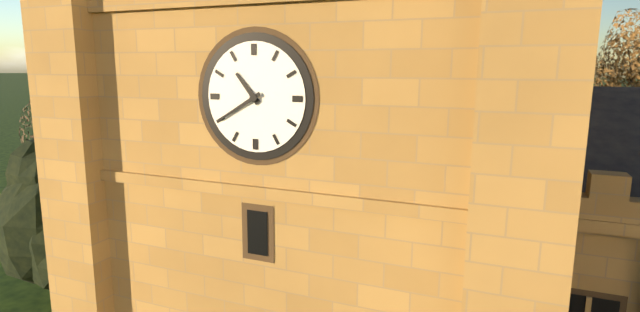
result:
10,40
